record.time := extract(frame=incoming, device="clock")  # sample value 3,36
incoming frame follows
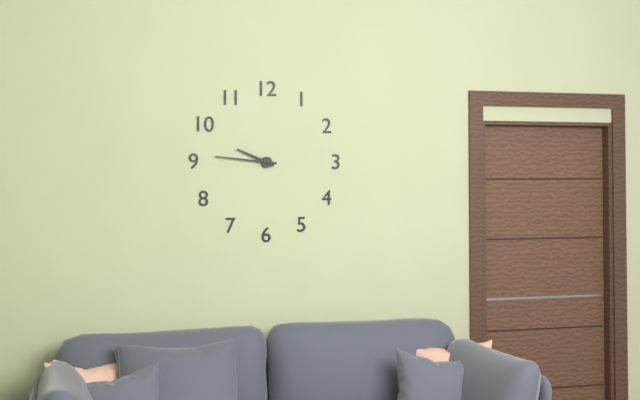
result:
9,46
